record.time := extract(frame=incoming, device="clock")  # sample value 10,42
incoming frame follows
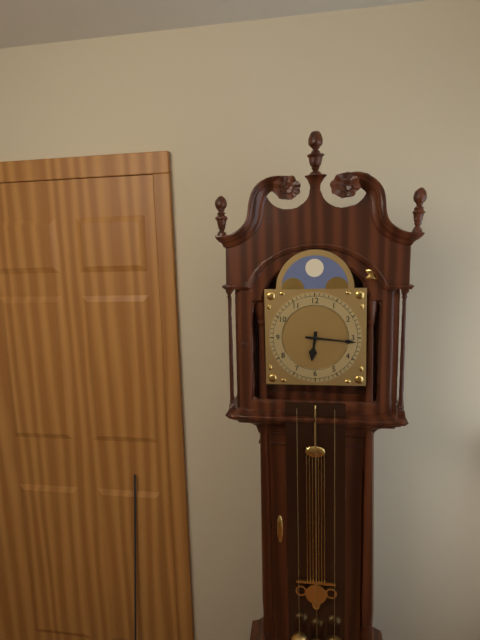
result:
6,16
